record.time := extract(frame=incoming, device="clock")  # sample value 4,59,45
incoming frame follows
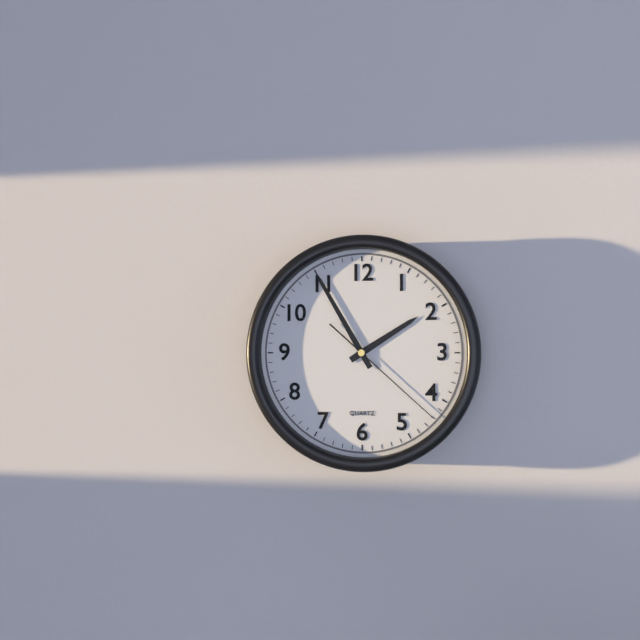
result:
1,55,22
